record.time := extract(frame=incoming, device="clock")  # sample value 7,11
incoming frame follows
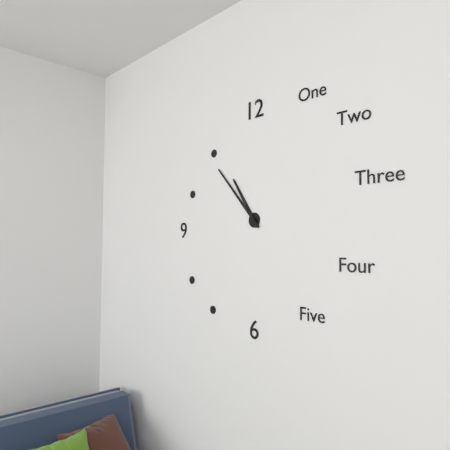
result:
10,53
